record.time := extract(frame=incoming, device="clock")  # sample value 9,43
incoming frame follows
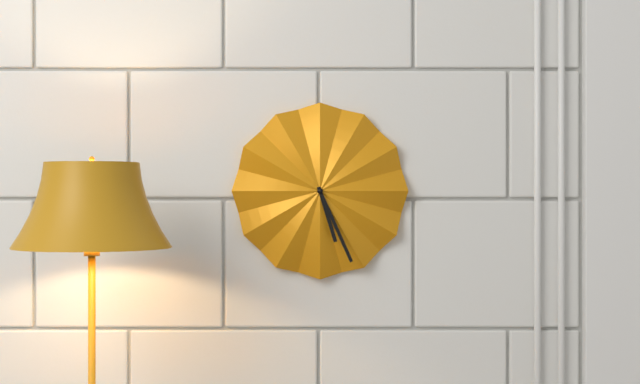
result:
5,26
